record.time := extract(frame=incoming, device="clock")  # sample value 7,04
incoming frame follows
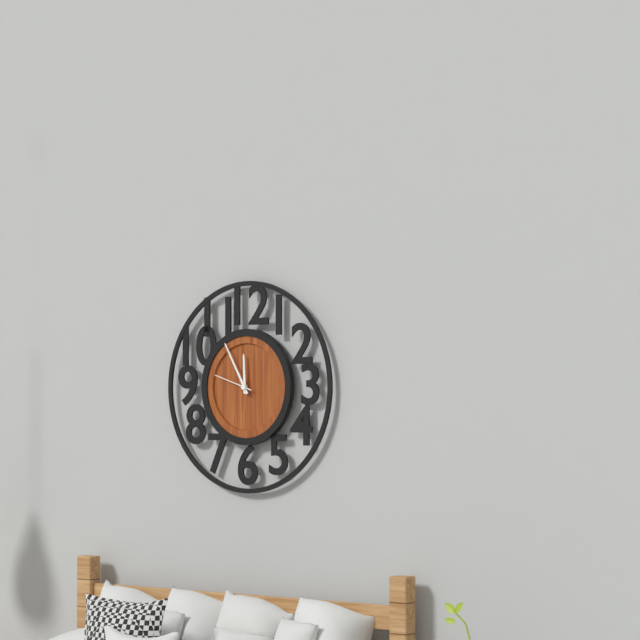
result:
11,55
